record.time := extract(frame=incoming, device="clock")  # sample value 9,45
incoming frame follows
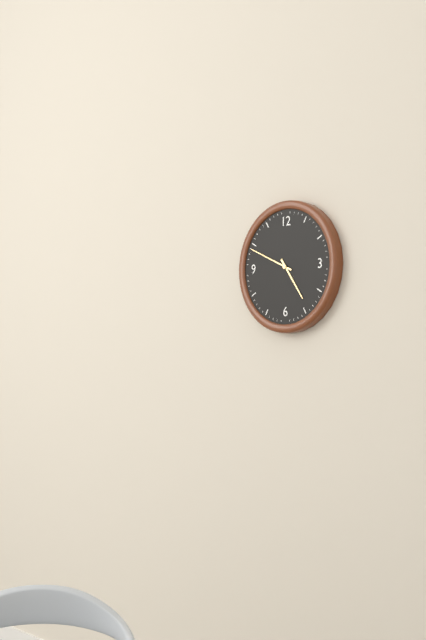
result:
4,49
